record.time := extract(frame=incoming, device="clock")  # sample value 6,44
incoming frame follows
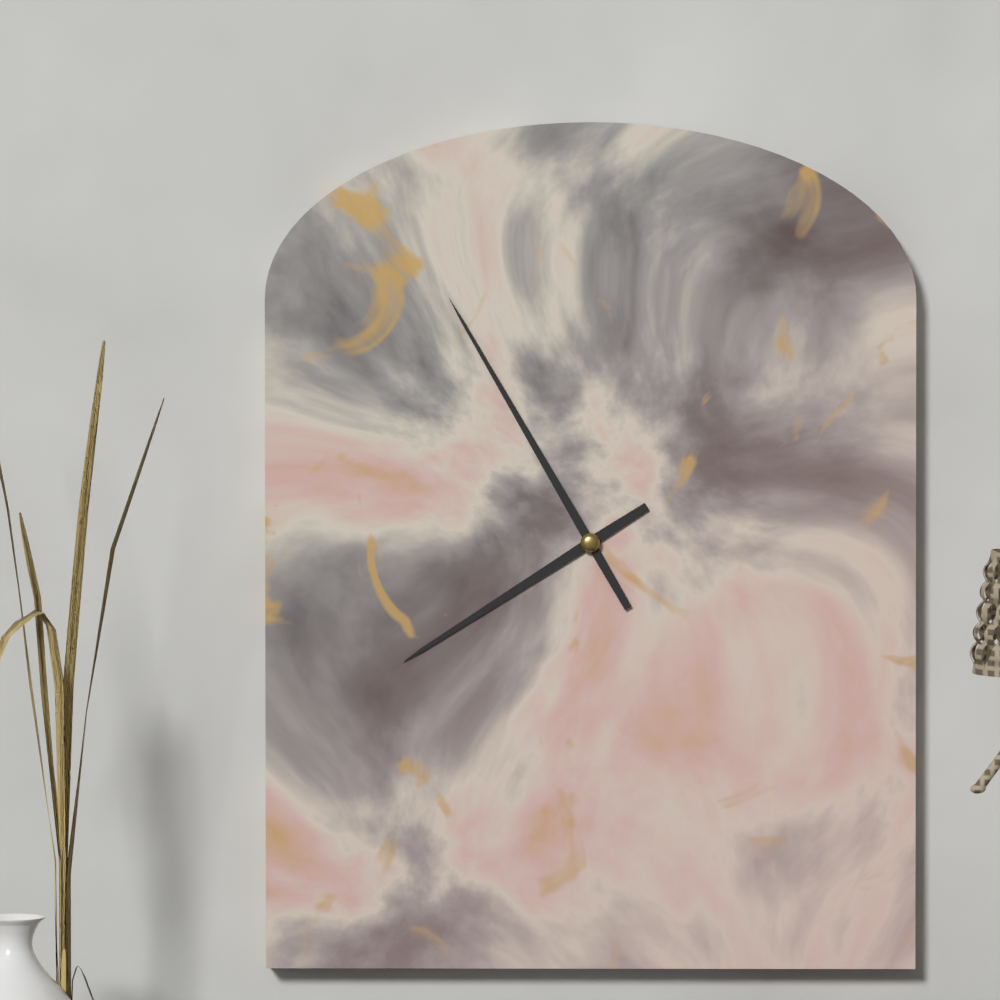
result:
7,55
